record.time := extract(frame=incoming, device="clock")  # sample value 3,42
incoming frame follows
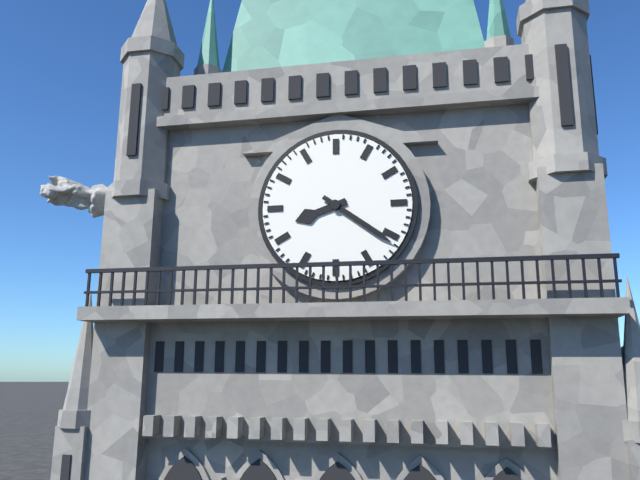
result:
8,21
